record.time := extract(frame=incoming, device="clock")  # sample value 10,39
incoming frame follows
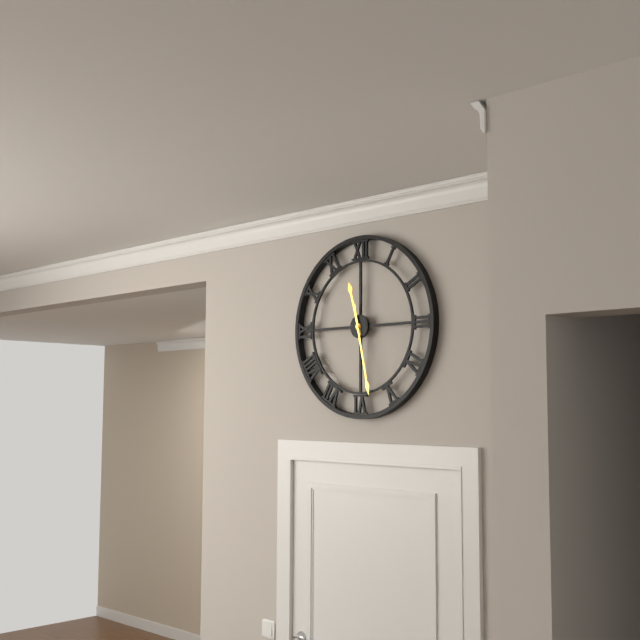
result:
11,28
